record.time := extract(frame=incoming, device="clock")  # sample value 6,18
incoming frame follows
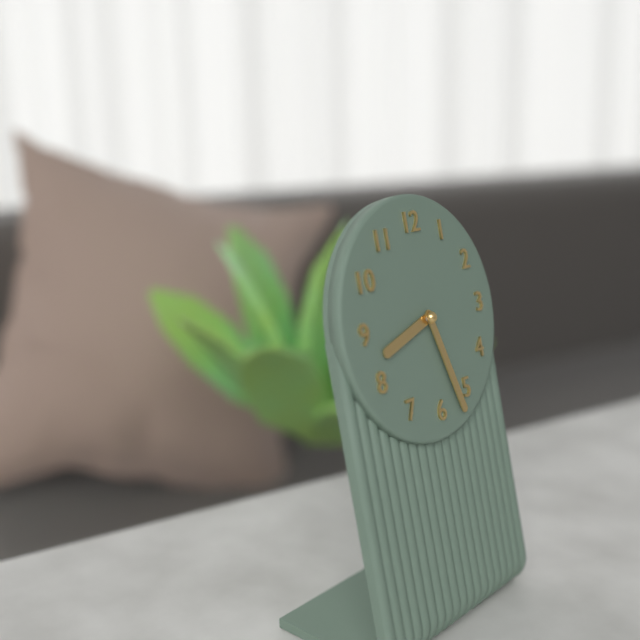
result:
8,27
